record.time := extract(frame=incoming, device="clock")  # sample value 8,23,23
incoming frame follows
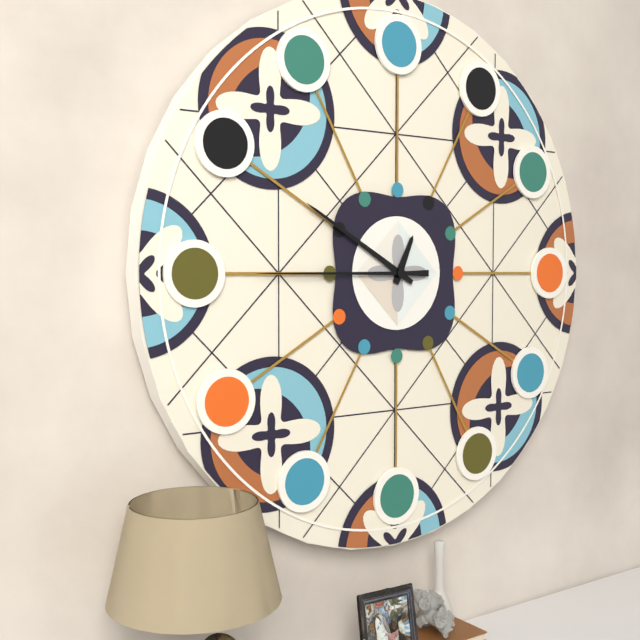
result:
12,50,45
